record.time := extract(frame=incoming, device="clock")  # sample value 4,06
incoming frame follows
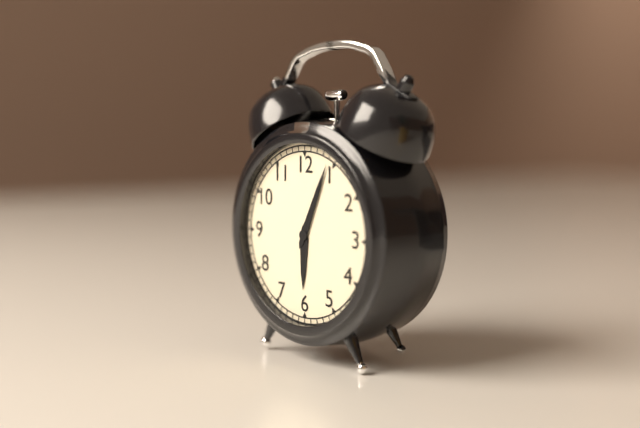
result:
6,04
